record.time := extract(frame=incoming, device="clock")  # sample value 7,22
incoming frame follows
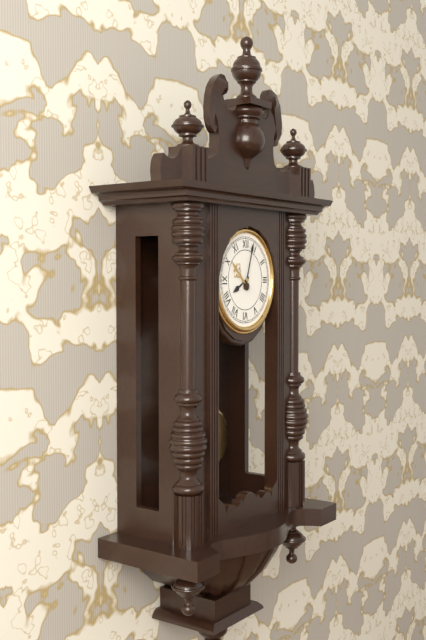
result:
8,03
